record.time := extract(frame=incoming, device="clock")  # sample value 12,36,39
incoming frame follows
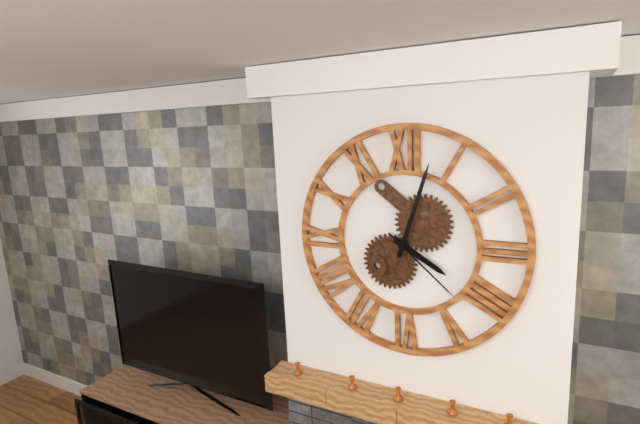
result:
4,03,22
